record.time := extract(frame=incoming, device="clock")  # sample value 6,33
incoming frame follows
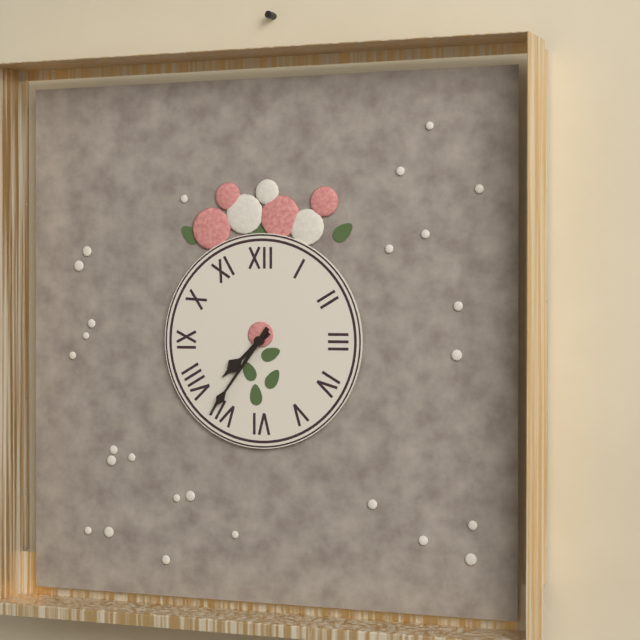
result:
7,36
